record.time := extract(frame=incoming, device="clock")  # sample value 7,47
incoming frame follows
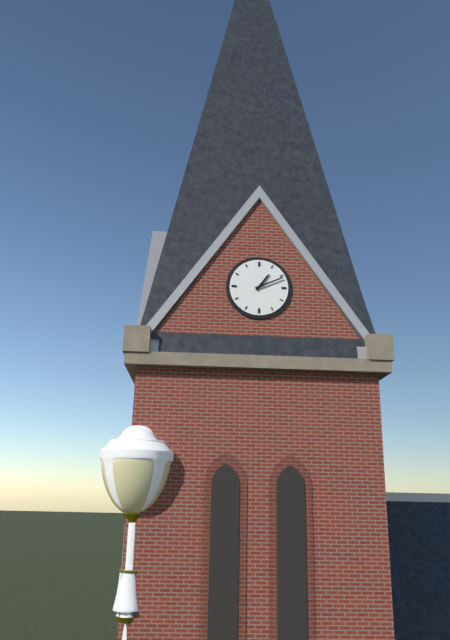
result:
1,11
